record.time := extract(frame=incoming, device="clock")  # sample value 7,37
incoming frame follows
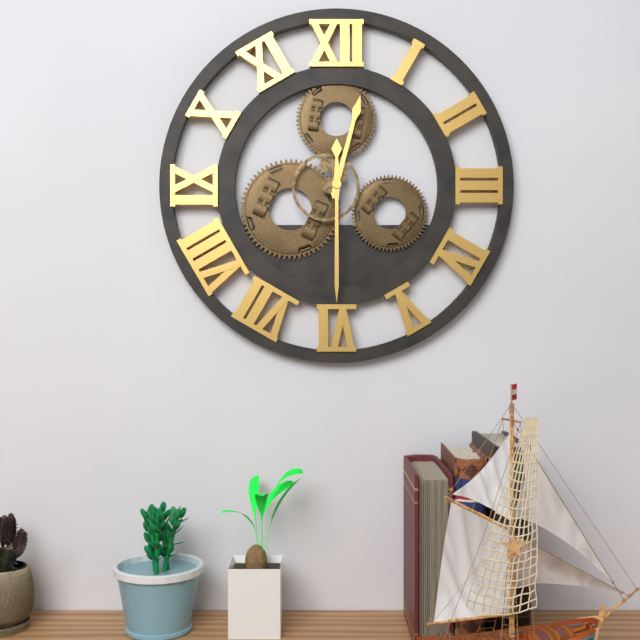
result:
12,30
